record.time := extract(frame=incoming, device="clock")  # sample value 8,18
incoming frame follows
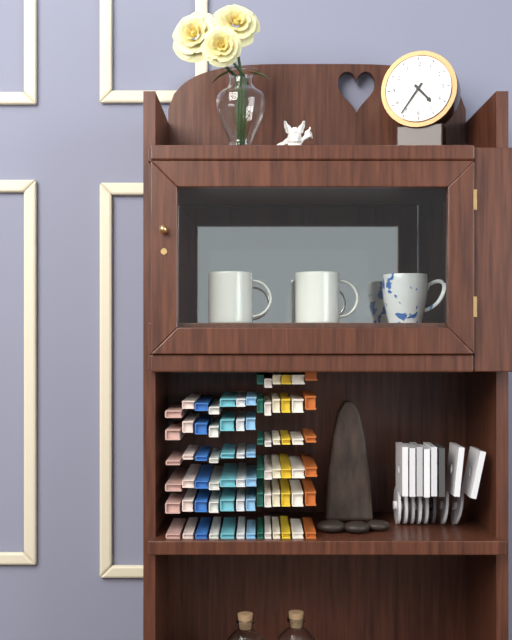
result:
4,36
